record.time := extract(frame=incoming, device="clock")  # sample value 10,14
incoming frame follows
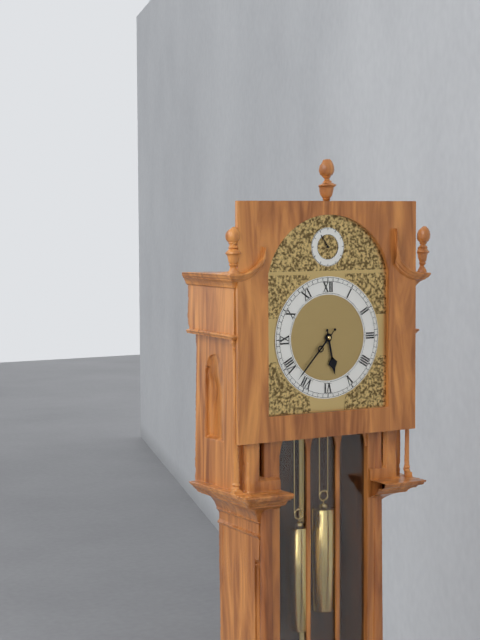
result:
5,37
